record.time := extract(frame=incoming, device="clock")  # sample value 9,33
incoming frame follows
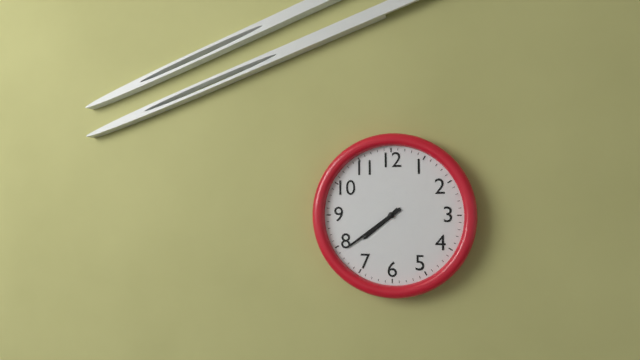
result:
7,39
